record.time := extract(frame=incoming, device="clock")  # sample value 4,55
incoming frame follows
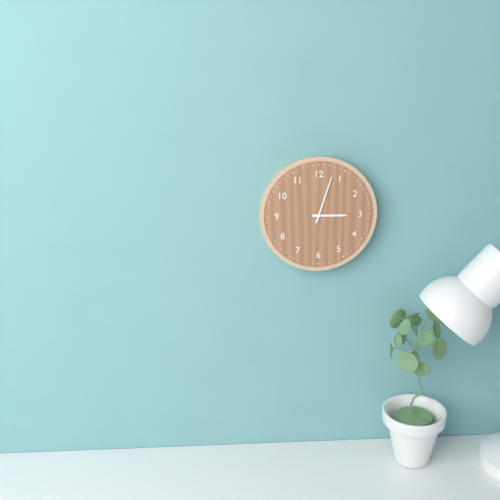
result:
3,03
